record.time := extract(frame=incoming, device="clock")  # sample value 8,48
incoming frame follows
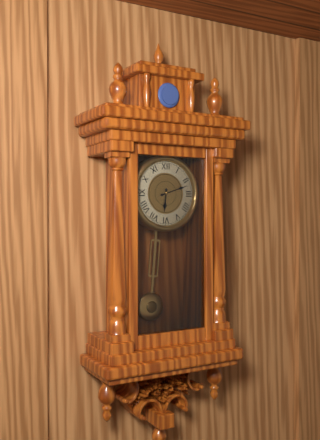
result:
6,12
